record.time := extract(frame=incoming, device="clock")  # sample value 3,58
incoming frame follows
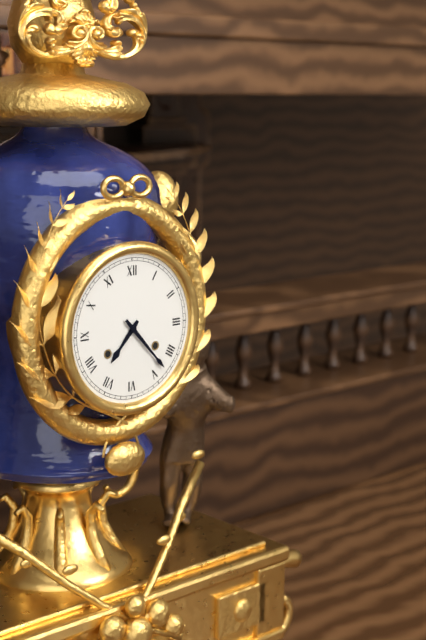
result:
7,23
